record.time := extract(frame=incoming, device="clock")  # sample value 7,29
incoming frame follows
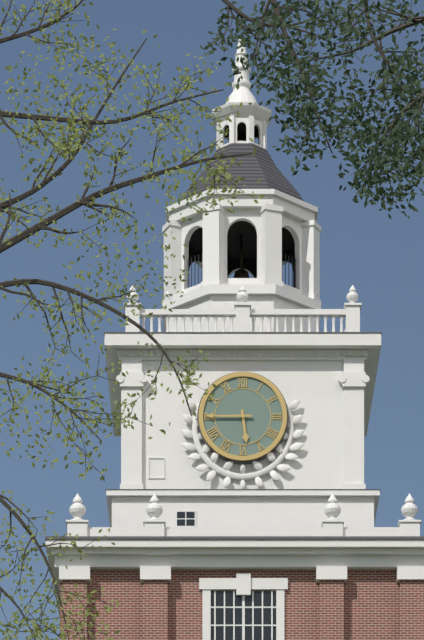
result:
5,45
